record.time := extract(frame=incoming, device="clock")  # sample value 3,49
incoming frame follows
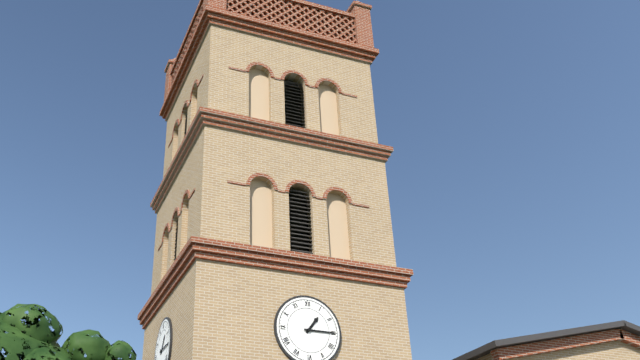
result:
1,15
